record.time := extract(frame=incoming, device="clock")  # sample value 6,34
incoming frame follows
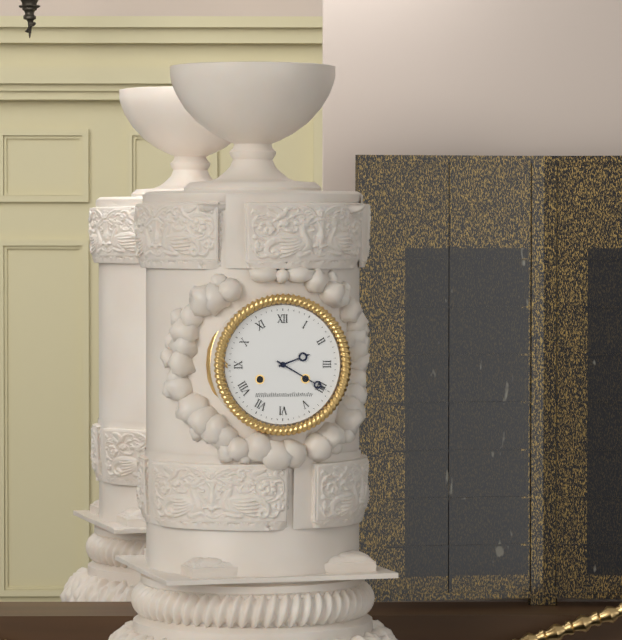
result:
2,20
